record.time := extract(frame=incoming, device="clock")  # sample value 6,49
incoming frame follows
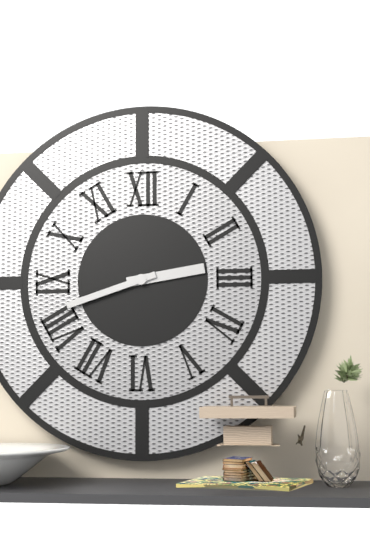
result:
2,42
